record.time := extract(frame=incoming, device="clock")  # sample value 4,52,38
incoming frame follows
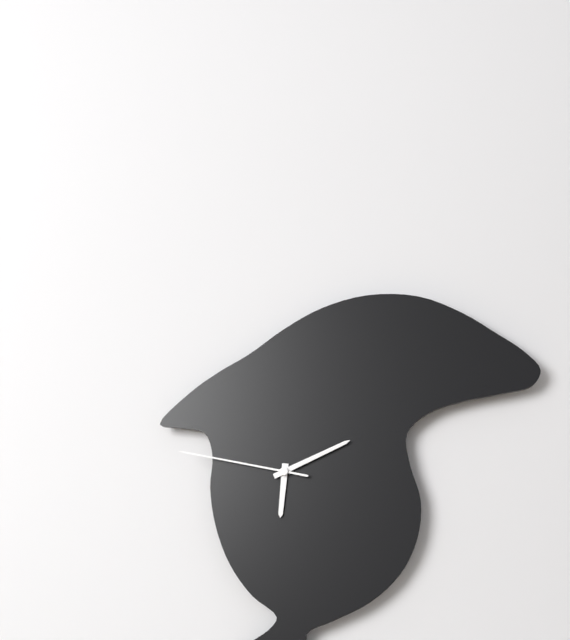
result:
6,11,47
